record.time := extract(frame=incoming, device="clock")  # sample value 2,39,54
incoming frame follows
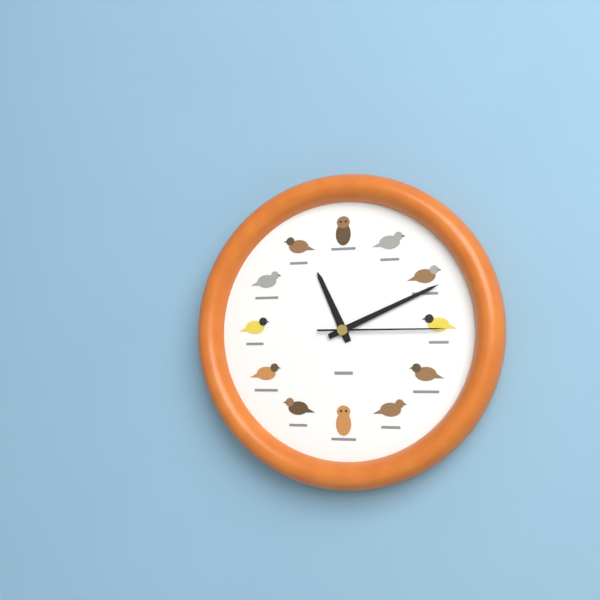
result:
11,11,15
